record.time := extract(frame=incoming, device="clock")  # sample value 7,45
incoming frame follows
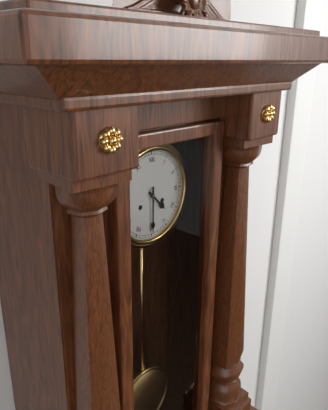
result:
4,30
